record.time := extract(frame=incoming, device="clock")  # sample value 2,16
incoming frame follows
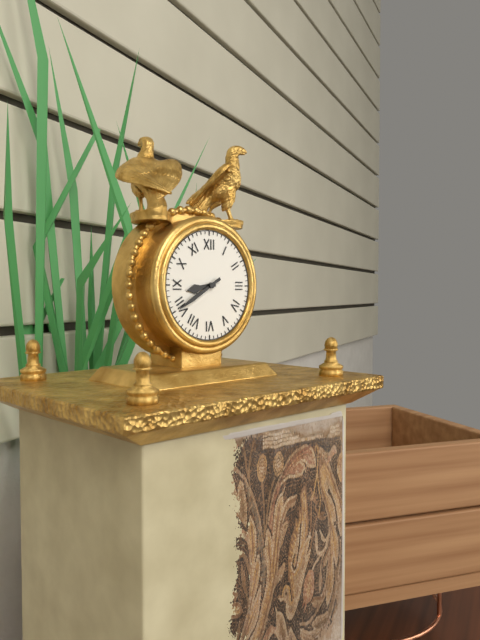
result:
8,40
